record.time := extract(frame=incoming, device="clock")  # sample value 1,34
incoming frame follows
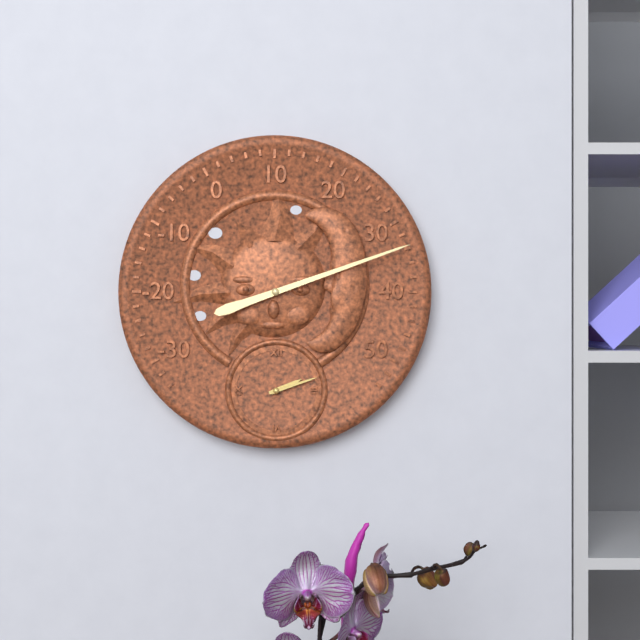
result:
2,12
